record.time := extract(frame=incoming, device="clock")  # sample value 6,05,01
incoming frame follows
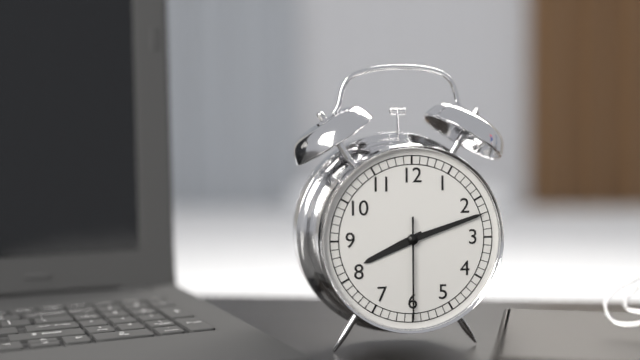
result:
8,12,30
